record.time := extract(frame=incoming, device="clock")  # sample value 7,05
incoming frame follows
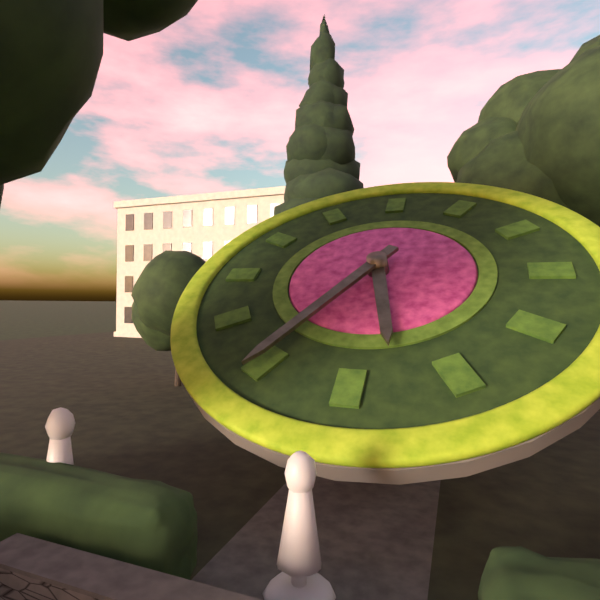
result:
5,35
